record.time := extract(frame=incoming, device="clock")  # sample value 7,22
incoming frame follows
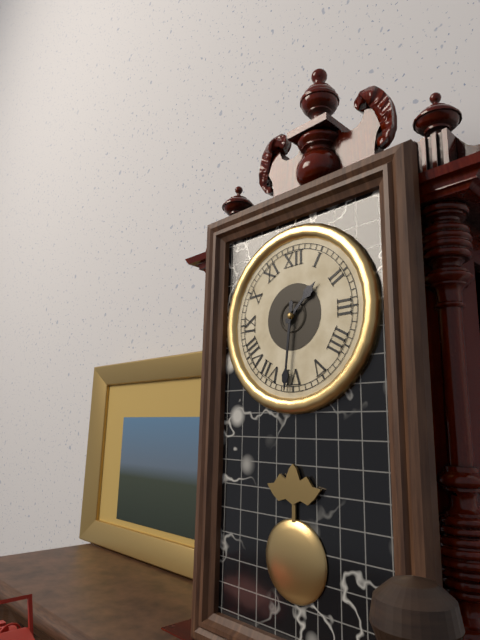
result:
1,31
